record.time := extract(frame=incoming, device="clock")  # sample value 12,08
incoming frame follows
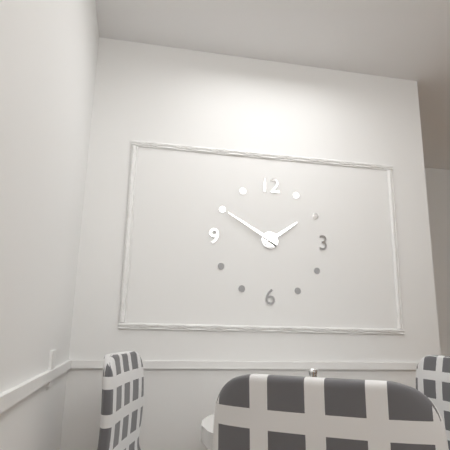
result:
1,50
